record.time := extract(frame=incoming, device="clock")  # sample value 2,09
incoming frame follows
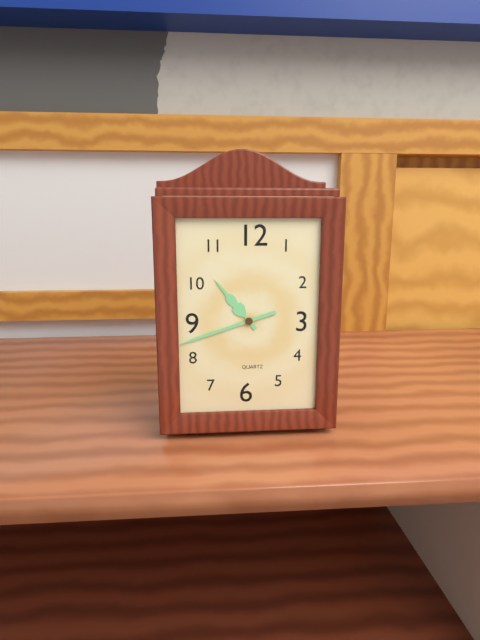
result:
10,42
